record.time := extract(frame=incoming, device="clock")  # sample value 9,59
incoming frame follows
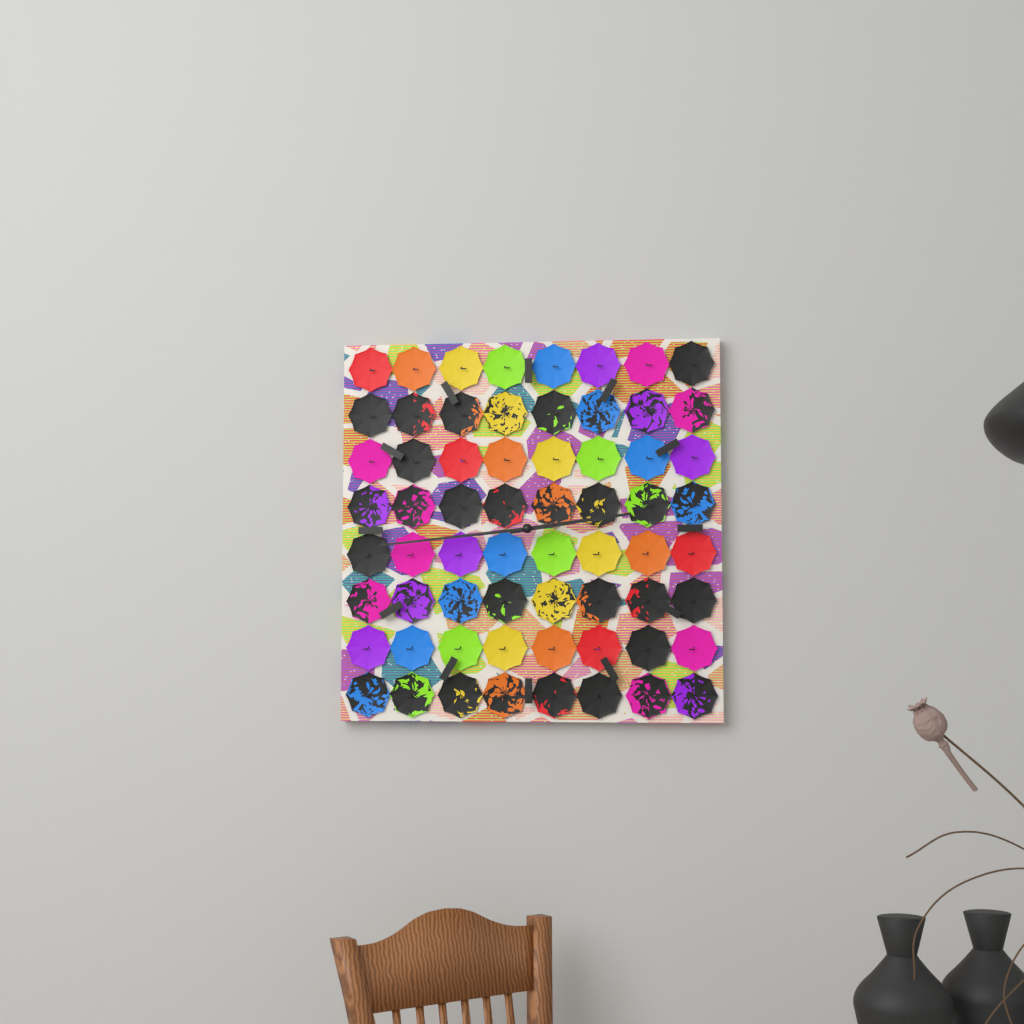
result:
2,44
